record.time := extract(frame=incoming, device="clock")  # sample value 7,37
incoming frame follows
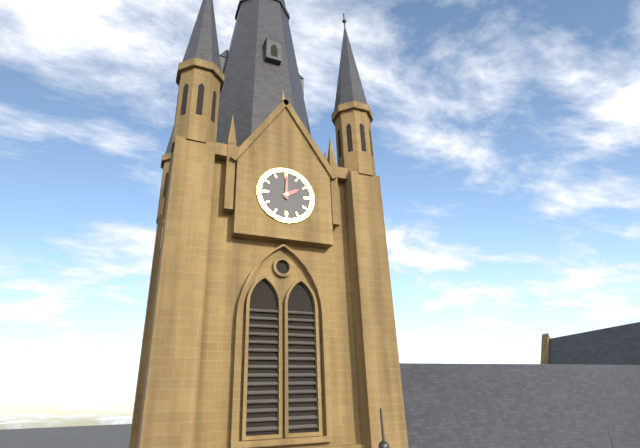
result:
2,00
